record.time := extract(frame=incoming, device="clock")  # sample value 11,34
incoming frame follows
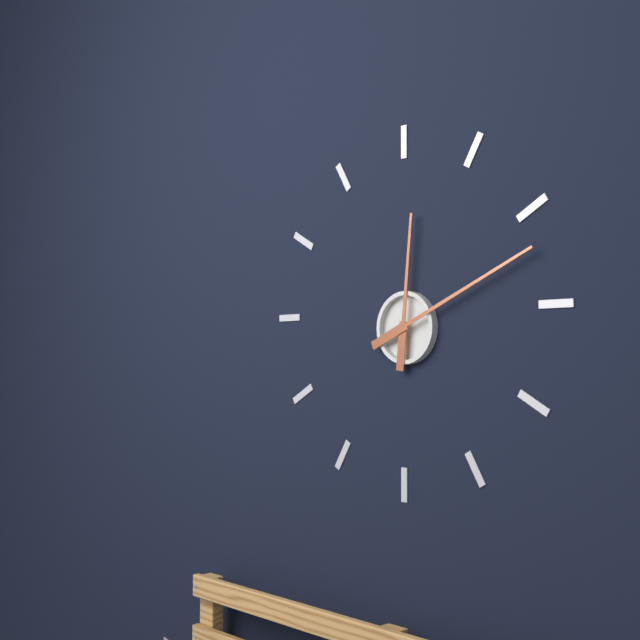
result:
12,11
